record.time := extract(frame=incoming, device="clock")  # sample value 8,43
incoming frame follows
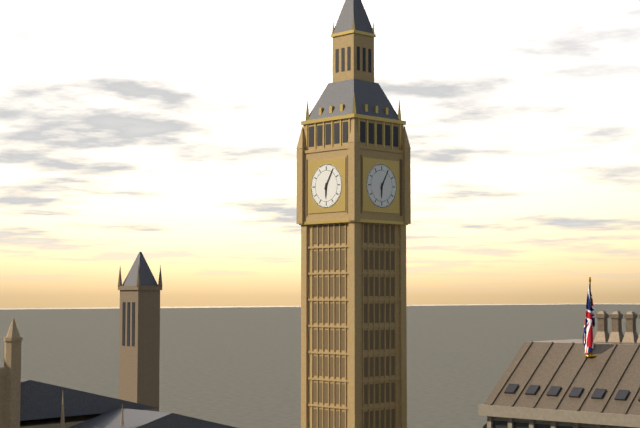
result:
6,05
